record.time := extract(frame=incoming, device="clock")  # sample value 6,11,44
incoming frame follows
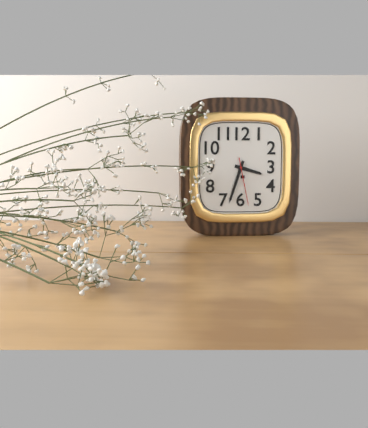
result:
3,33,28
